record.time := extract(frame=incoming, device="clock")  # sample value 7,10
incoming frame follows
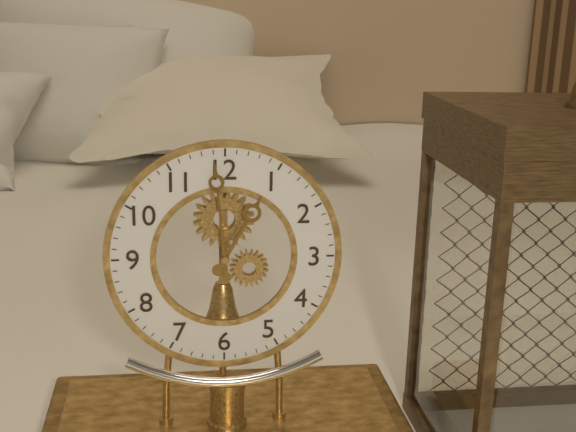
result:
12,59
